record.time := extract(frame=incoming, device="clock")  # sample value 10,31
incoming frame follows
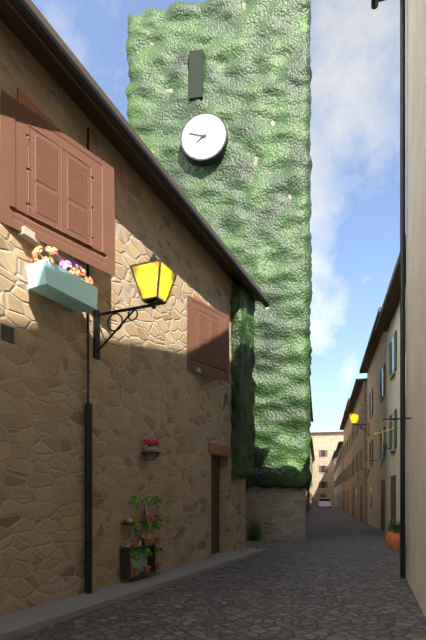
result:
7,48
